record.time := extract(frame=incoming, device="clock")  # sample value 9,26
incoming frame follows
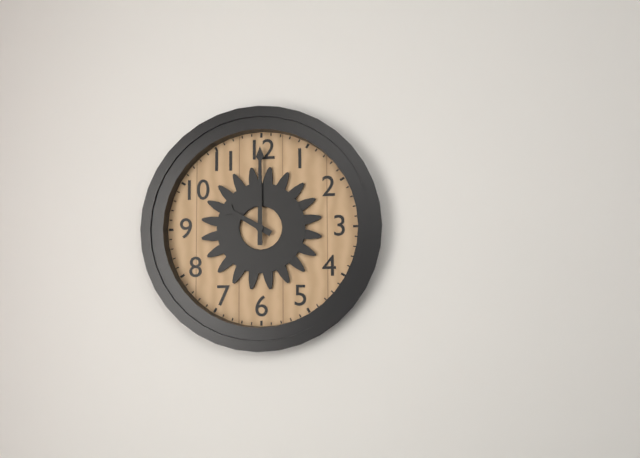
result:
10,00
